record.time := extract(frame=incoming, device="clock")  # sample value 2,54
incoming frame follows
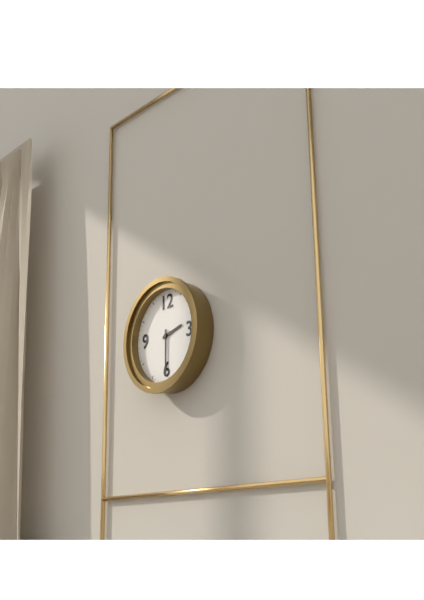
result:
2,30
